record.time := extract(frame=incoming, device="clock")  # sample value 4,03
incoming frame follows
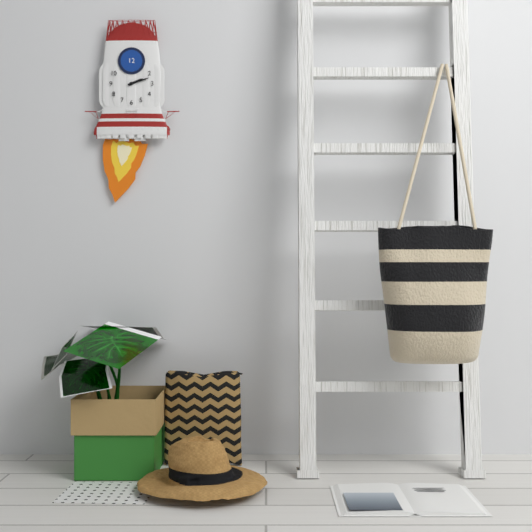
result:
2,12
